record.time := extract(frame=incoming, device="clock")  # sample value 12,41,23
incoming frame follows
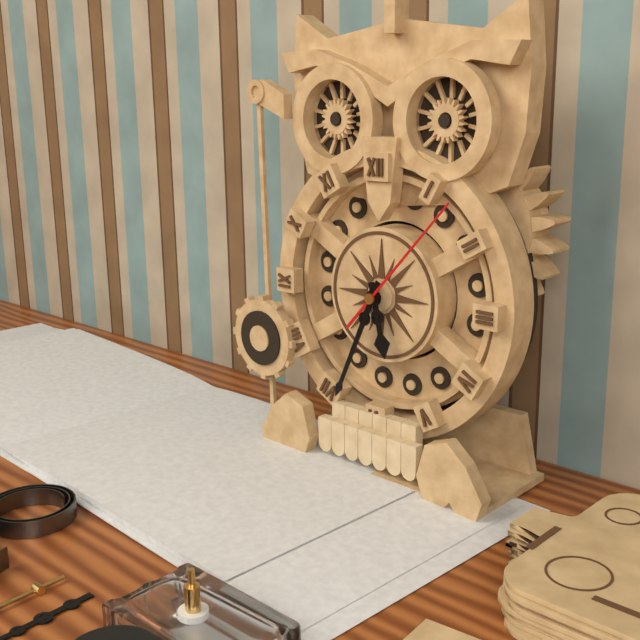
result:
5,34,07
